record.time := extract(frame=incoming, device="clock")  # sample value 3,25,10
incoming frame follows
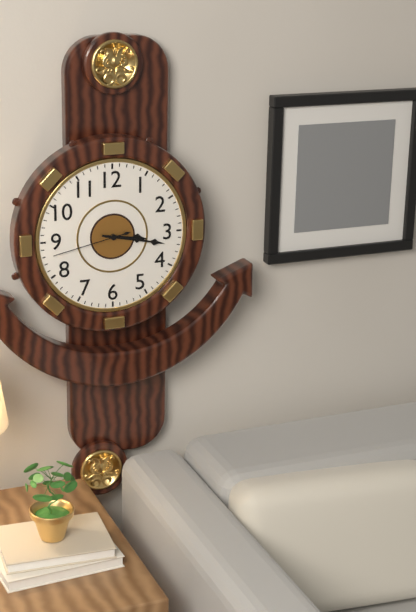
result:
3,17,43
